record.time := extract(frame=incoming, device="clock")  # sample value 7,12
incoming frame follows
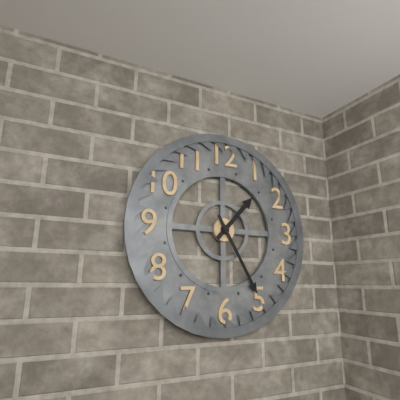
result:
1,25
